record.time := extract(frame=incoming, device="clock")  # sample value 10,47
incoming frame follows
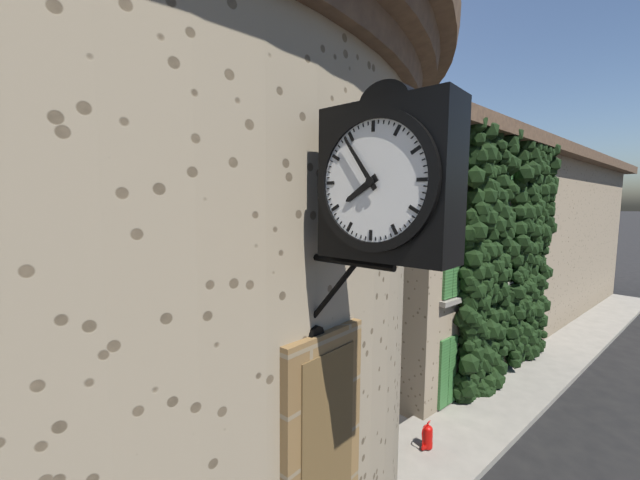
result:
7,54
